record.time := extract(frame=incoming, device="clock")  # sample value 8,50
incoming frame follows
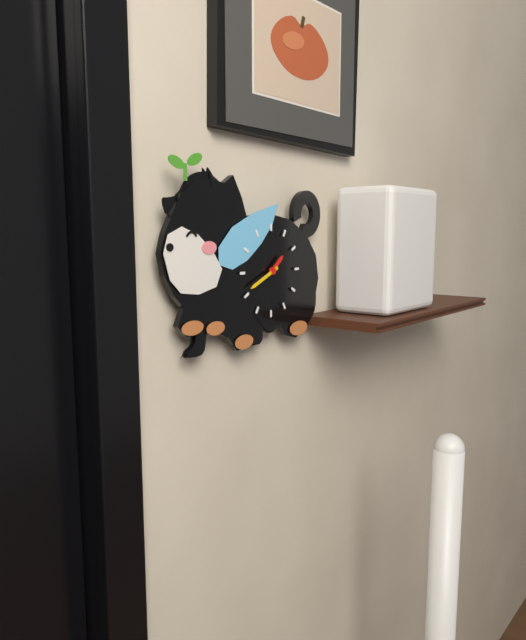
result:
1,41
